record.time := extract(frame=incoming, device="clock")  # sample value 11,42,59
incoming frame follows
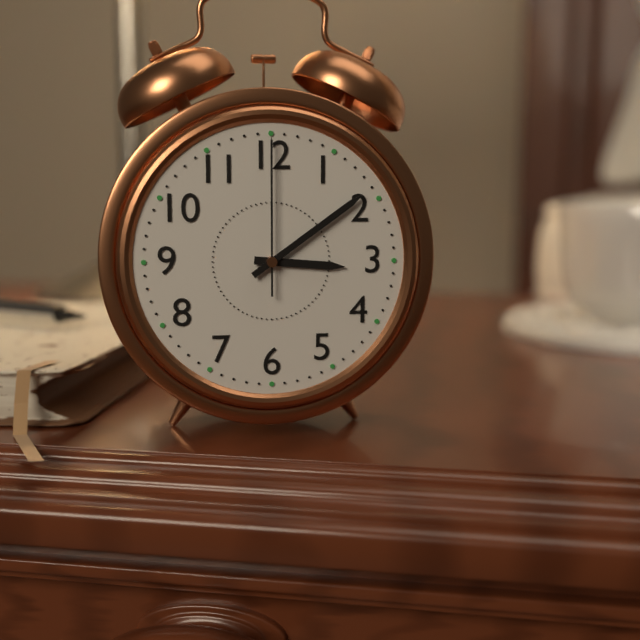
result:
3,09,00
